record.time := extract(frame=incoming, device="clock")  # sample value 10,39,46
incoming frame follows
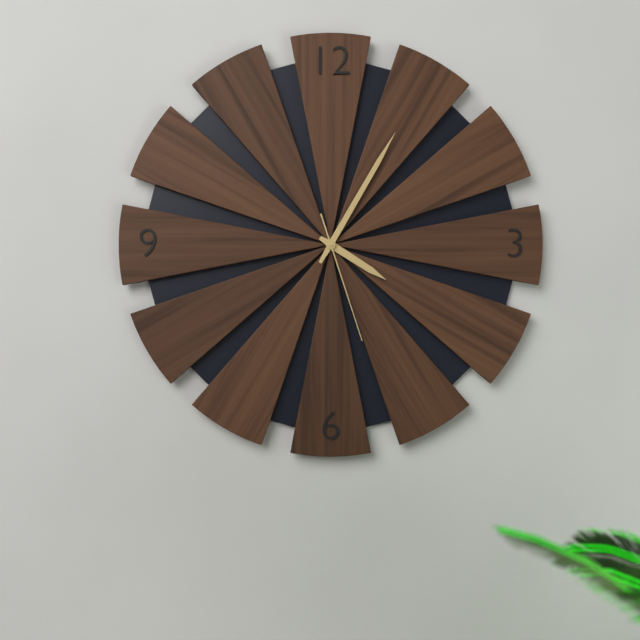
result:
4,05,27
